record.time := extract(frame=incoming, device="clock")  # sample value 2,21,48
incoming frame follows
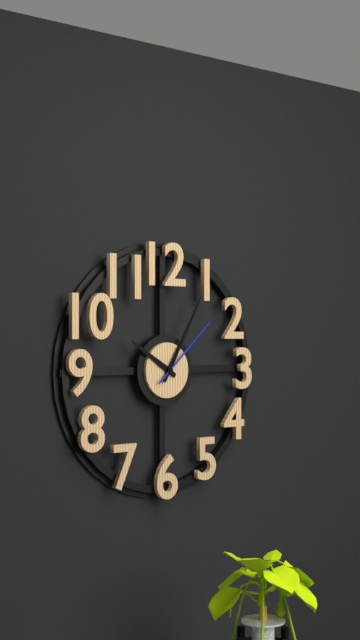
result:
10,05,08
